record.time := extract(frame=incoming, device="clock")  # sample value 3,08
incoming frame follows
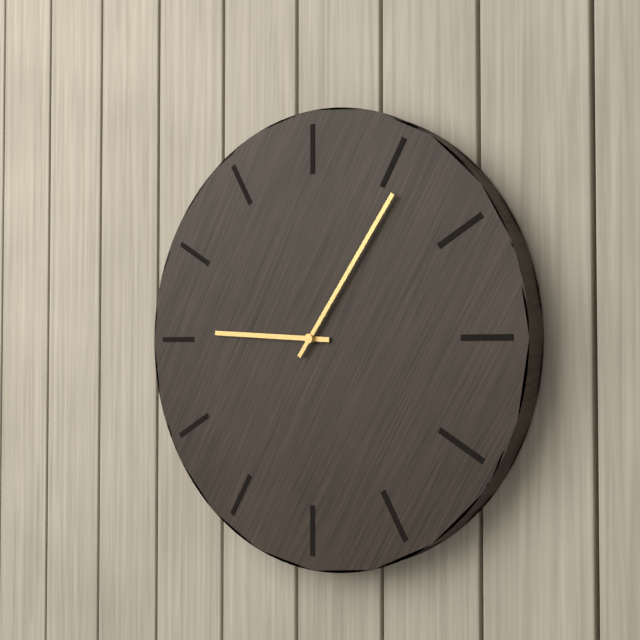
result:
9,06
